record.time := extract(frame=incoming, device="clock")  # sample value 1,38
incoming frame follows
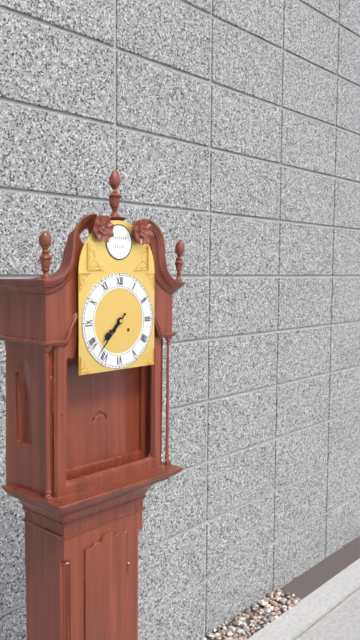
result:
7,37
